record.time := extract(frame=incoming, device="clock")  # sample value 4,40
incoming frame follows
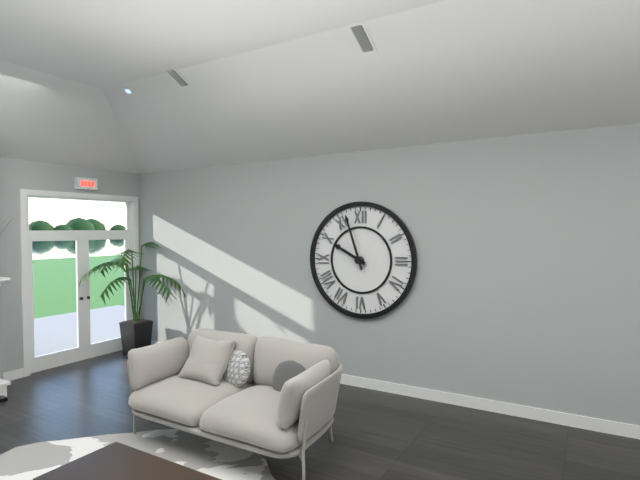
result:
9,57
